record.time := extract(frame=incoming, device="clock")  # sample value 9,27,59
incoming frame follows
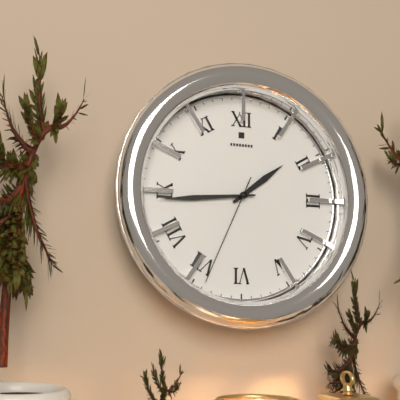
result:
1,44,34
